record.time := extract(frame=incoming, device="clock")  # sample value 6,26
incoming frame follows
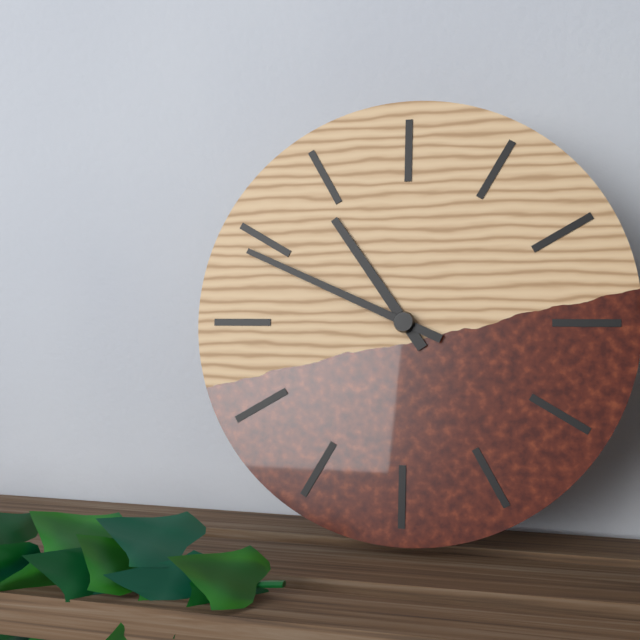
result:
10,49
